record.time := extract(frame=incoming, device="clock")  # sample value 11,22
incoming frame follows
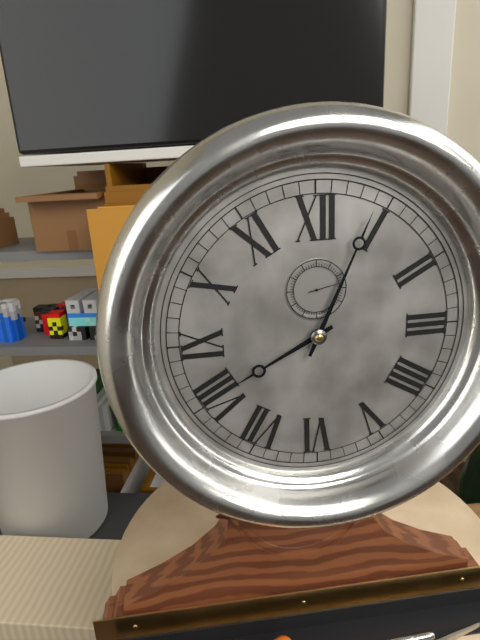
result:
8,04
